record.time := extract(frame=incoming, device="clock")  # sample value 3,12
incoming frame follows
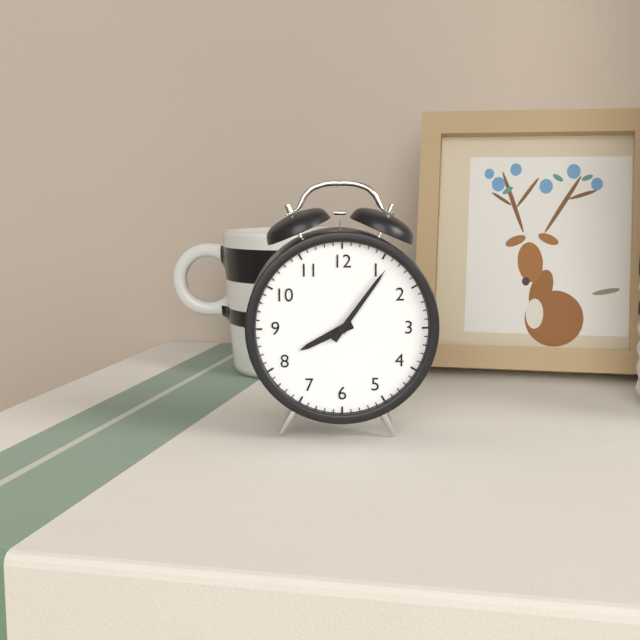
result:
8,06
